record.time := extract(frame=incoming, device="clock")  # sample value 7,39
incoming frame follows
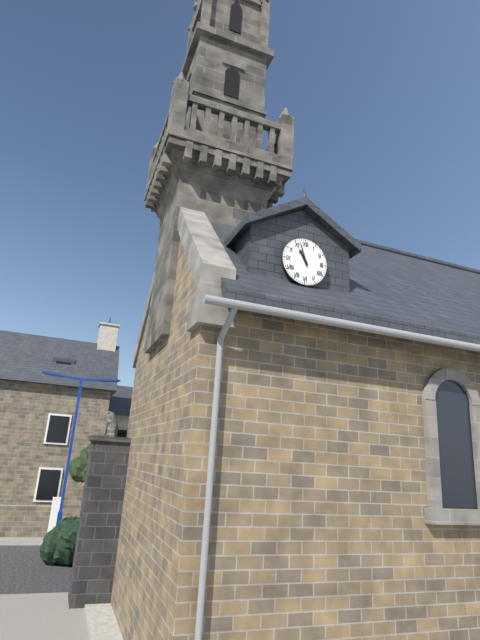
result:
10,57
